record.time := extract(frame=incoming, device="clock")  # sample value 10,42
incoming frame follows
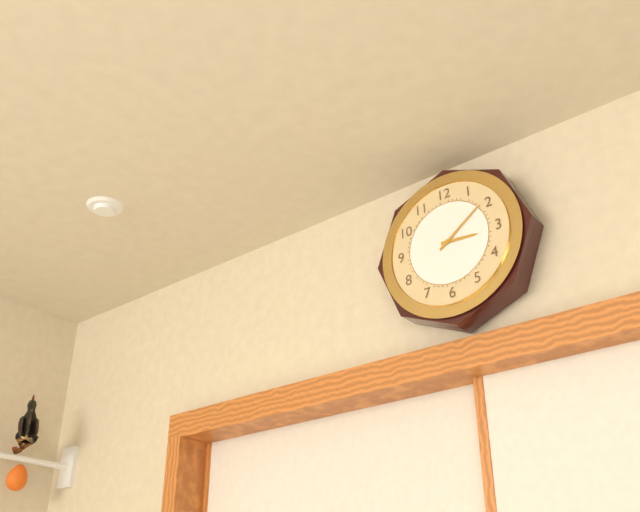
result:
3,09
